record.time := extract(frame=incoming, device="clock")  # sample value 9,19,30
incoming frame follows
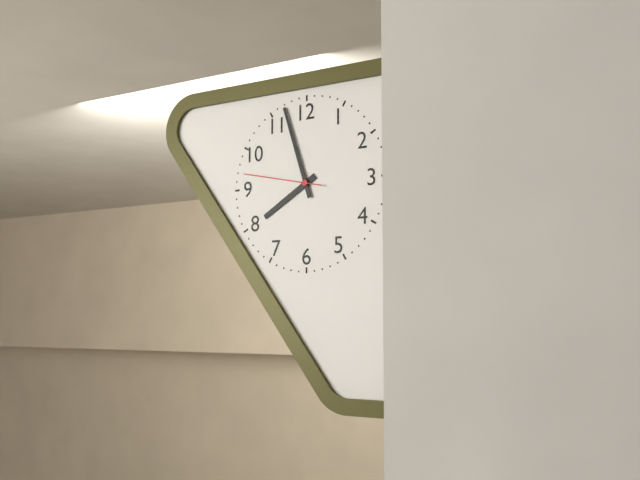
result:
7,57,47
